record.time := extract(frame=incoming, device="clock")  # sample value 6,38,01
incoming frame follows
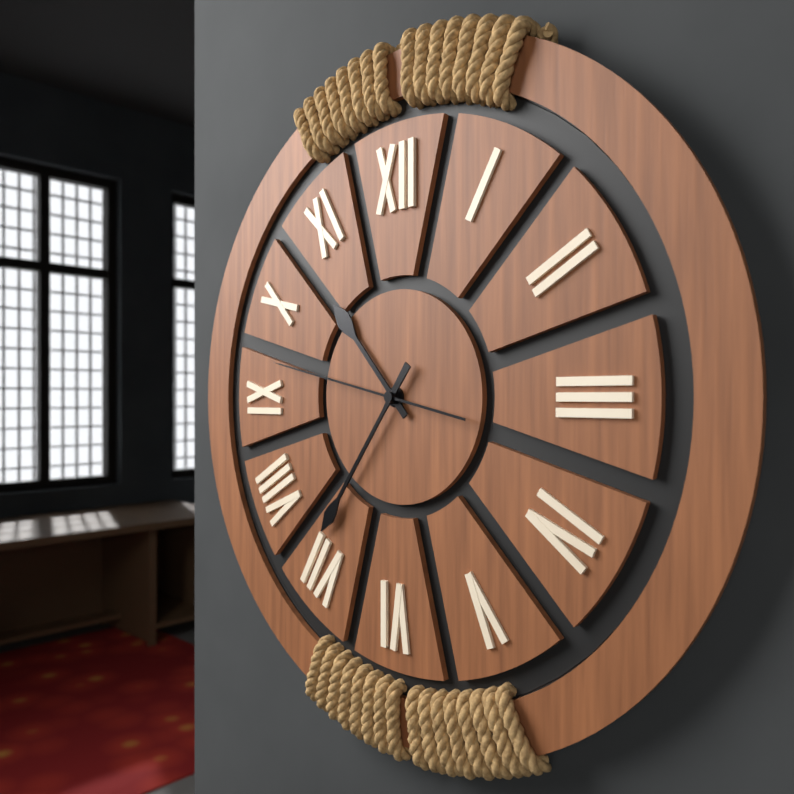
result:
10,36,47
